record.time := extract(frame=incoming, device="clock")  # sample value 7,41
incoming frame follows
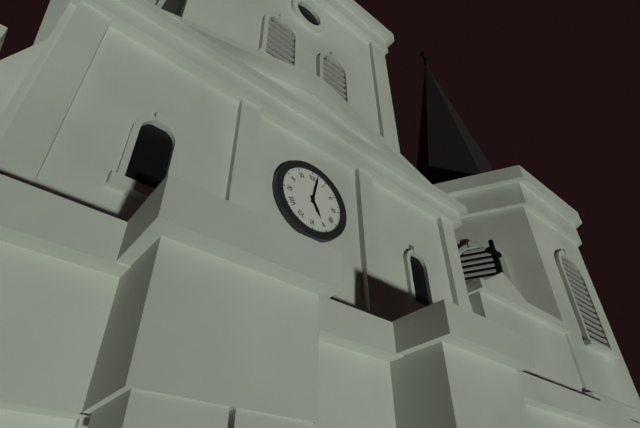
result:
5,02
